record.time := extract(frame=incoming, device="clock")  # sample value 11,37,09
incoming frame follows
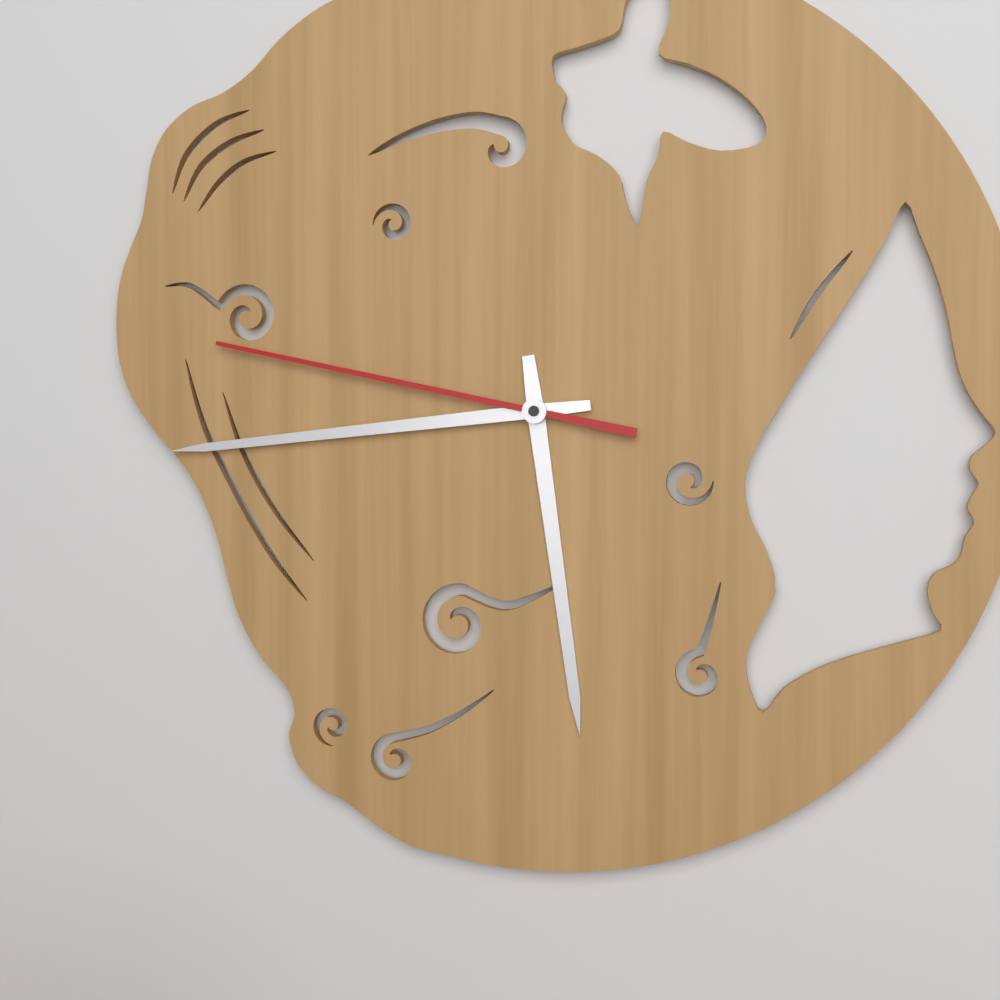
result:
5,44,47
